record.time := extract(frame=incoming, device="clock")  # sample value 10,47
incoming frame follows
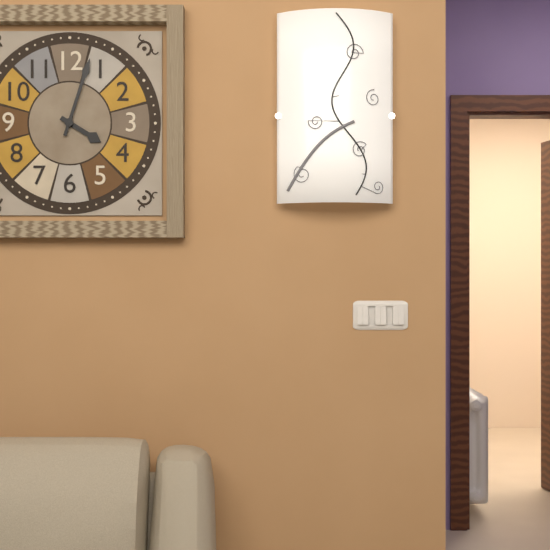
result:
4,03
